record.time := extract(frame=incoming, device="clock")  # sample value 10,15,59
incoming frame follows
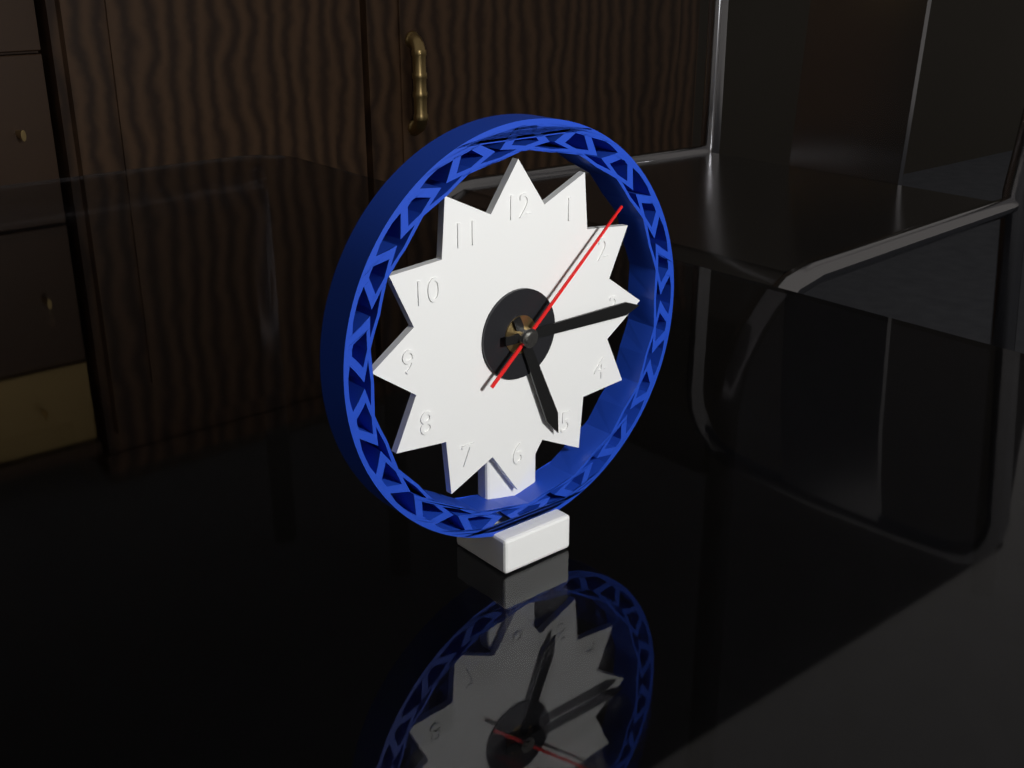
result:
5,15,08
